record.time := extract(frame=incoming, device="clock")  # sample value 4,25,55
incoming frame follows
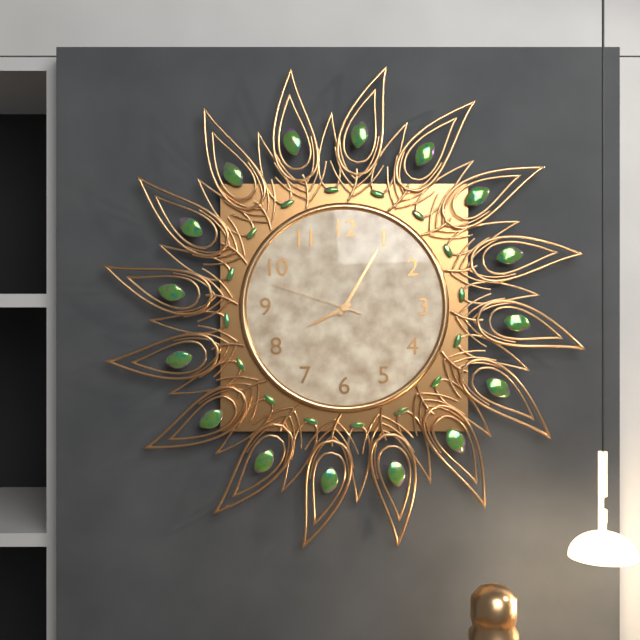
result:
8,05,48
